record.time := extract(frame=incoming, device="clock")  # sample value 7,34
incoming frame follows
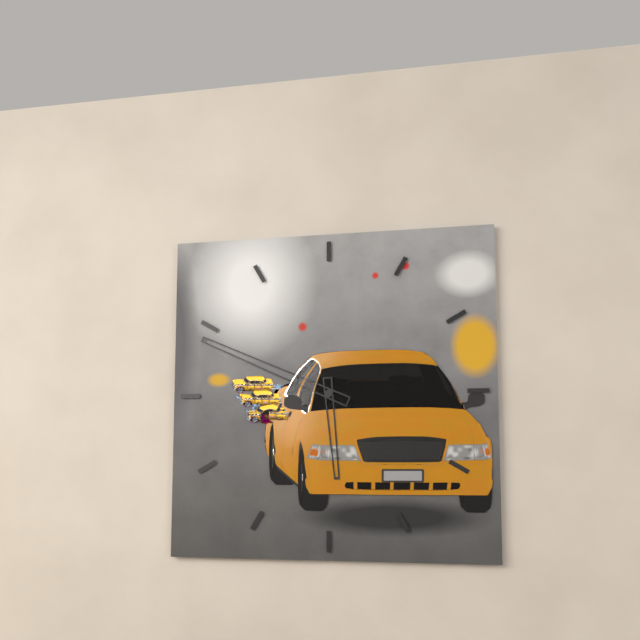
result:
5,49
